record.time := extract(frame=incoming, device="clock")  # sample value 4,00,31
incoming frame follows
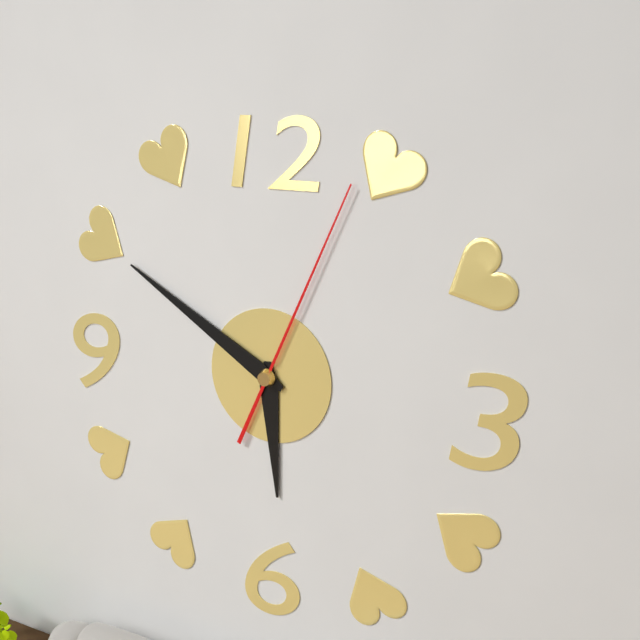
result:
5,50,04
